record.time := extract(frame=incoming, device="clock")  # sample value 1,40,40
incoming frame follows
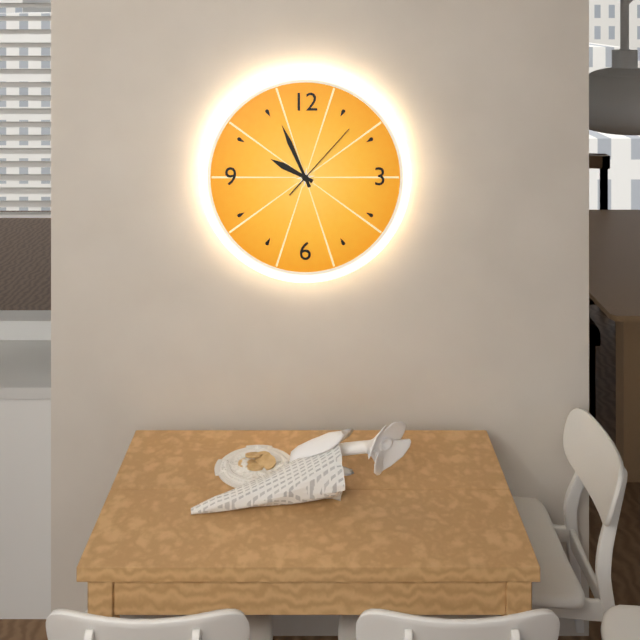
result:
9,56,07
